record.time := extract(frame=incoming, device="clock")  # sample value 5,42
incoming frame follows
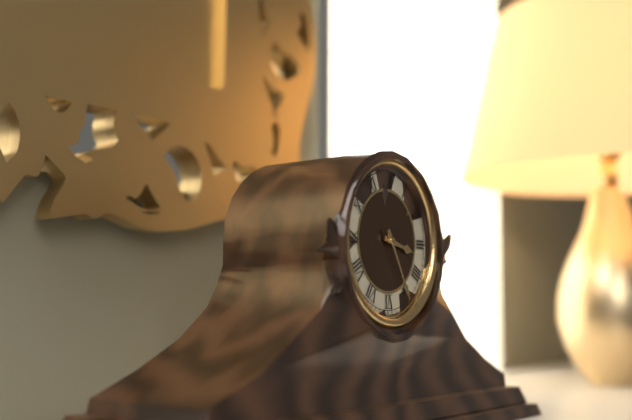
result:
3,25
